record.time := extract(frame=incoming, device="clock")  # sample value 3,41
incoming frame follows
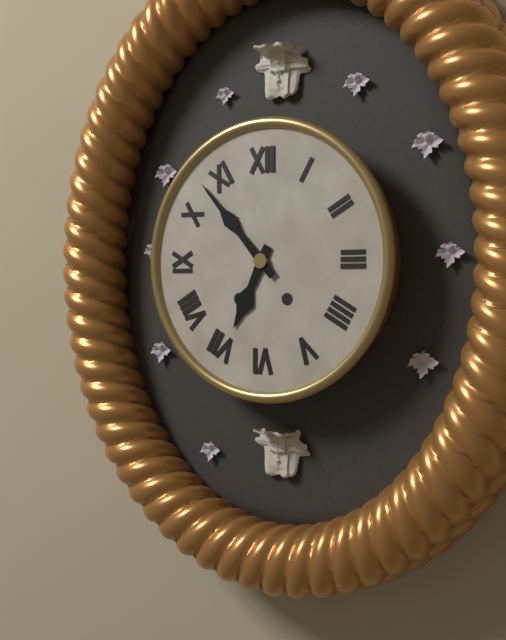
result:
6,53
